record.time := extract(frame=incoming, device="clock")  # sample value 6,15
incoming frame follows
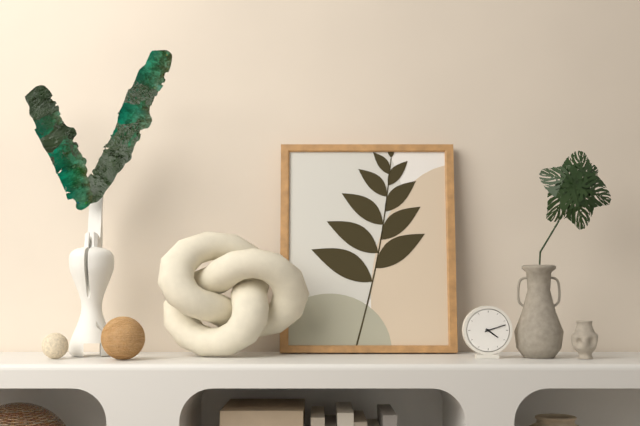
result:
4,12
